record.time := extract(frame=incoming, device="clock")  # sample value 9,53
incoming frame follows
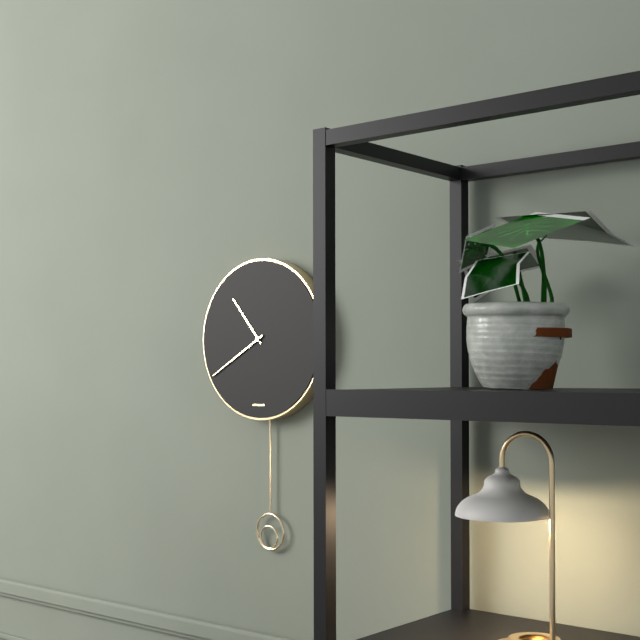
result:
10,40
